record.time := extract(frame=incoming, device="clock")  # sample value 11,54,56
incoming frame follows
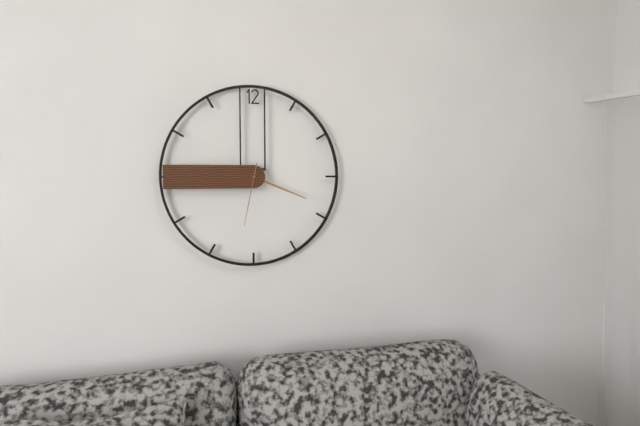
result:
3,45,32
